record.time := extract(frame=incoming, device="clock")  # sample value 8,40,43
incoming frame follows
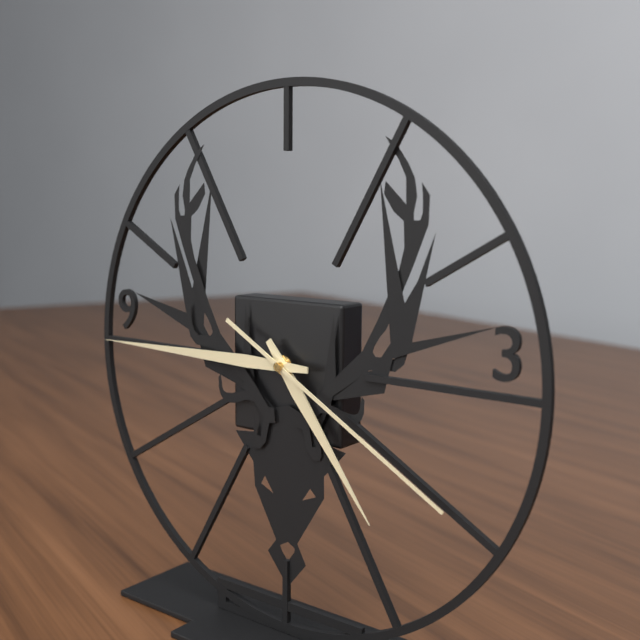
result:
4,45,20
